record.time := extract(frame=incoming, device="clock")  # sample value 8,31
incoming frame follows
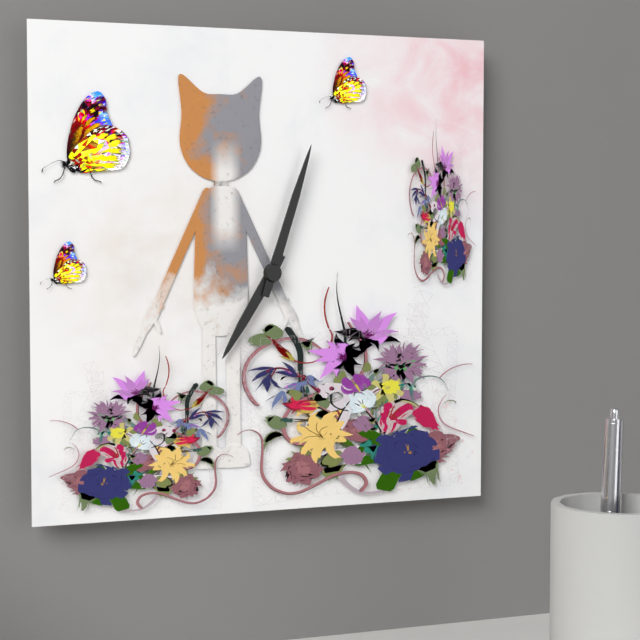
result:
7,03
